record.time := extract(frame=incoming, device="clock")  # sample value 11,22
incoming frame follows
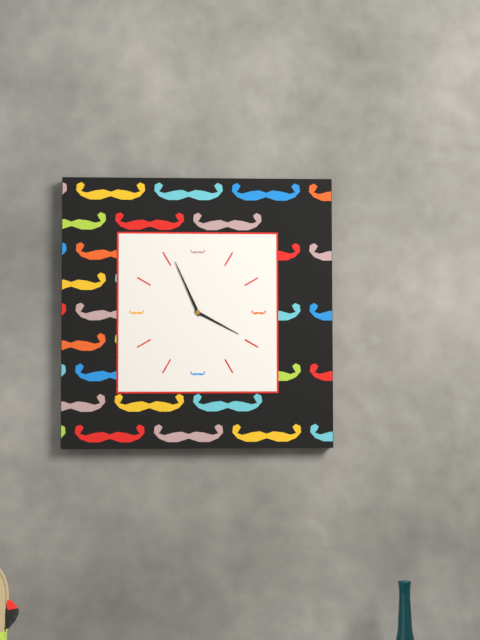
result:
3,56
